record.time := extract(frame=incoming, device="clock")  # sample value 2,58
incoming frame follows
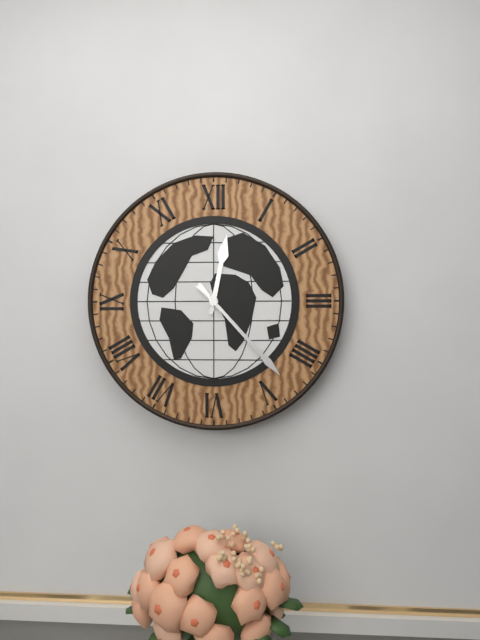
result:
12,23
